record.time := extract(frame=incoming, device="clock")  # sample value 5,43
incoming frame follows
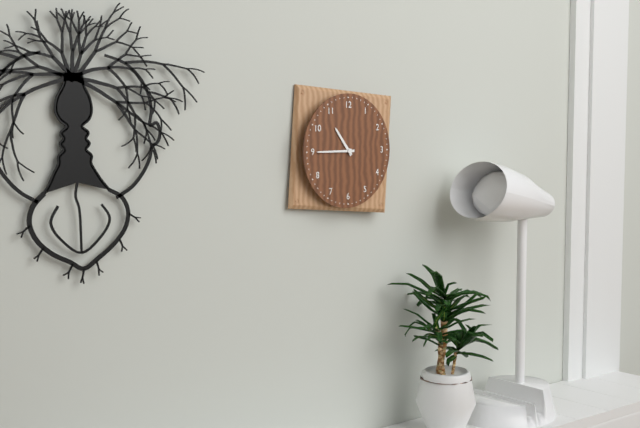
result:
10,45
